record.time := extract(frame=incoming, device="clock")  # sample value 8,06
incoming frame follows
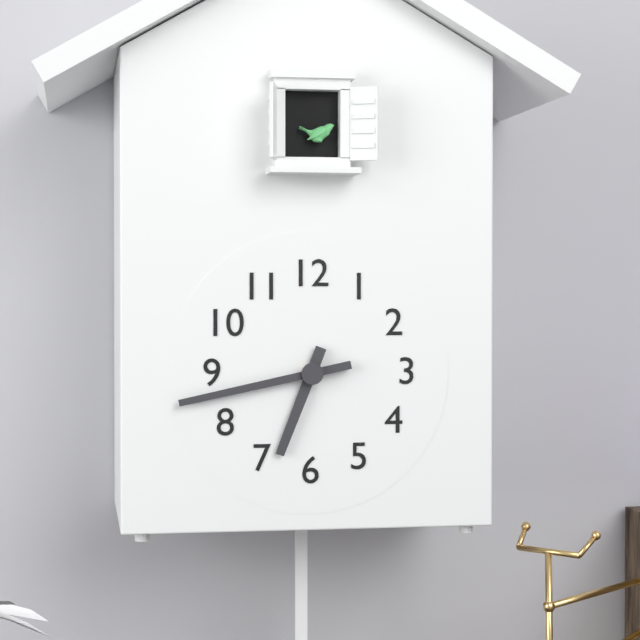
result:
6,43
